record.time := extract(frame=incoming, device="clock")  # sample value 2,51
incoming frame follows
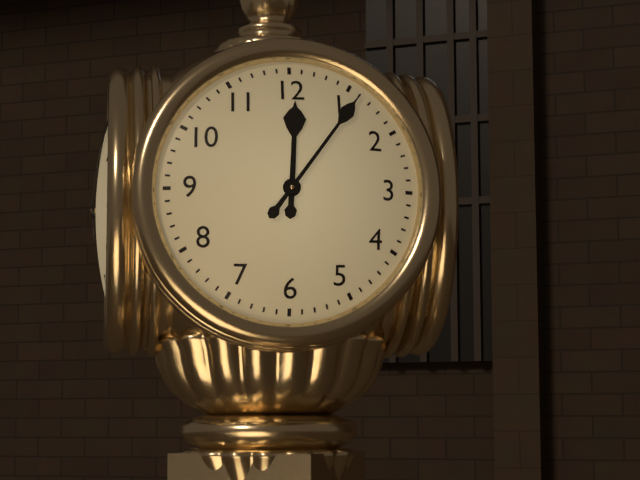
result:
12,06
